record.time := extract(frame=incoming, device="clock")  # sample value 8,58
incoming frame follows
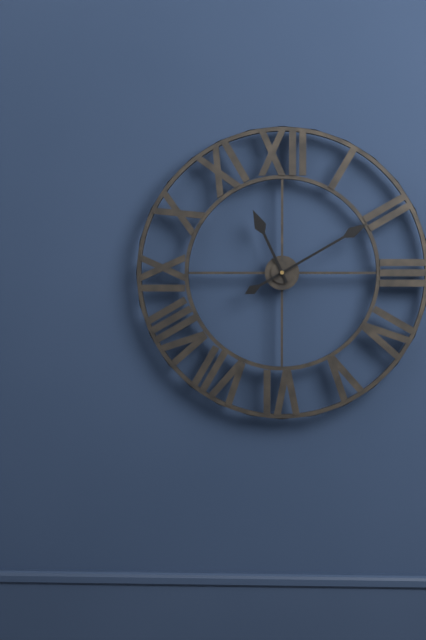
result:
11,10
